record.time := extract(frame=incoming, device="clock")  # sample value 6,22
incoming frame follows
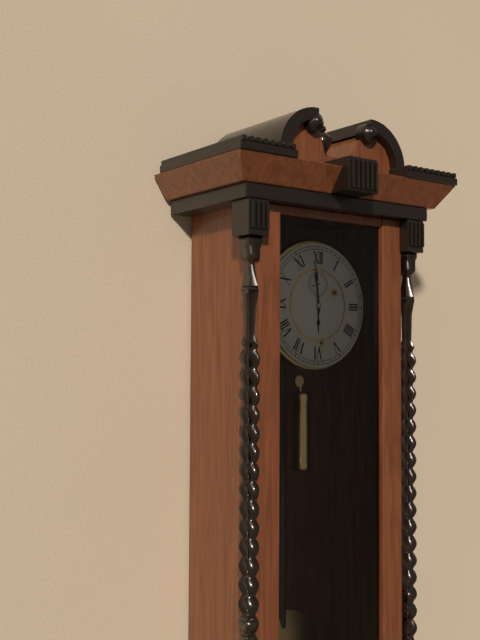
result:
5,59
